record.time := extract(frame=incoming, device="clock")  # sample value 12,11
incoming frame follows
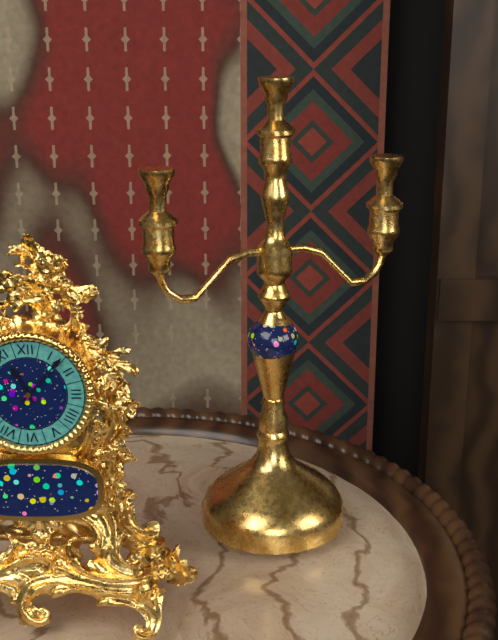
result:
11,07
